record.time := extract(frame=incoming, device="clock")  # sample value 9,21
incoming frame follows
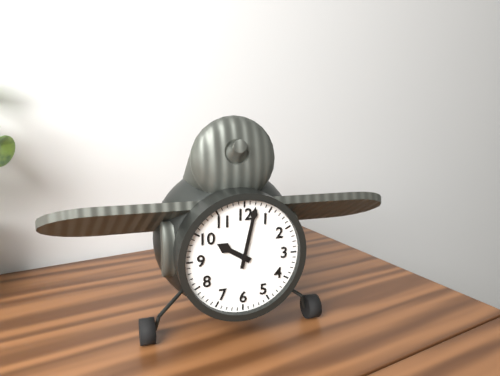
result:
10,02
